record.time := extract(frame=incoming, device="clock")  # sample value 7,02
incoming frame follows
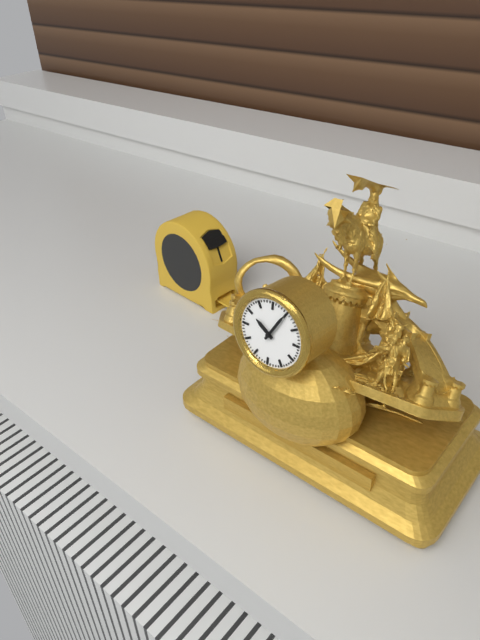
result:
10,05
